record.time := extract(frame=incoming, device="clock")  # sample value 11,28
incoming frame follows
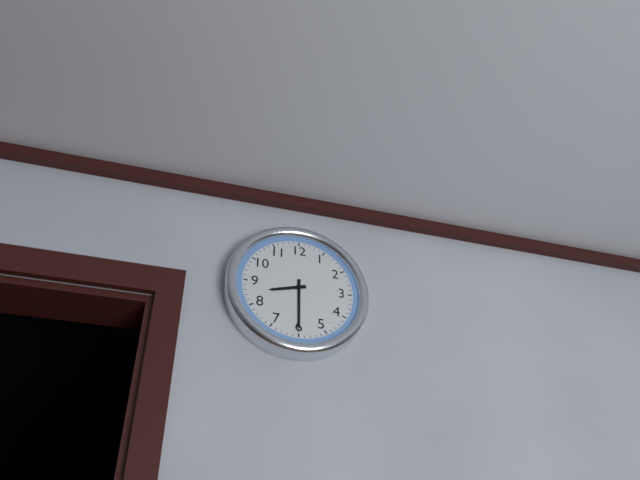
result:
8,30
